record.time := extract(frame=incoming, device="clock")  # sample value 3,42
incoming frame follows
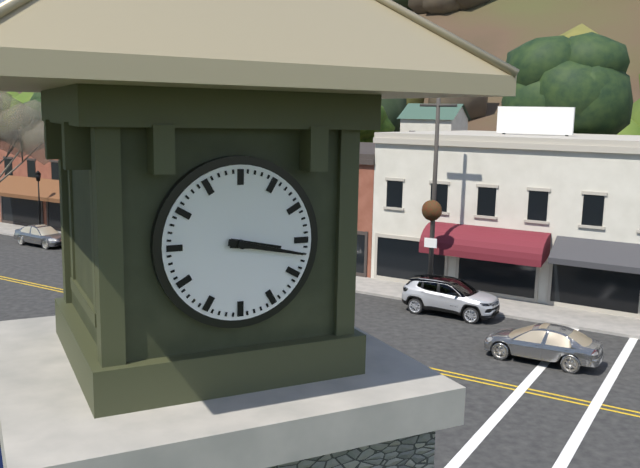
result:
3,17
